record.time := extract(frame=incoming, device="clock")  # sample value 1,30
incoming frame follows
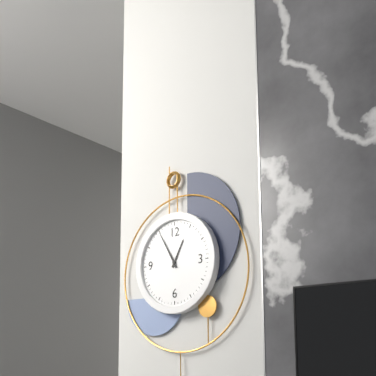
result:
12,55
